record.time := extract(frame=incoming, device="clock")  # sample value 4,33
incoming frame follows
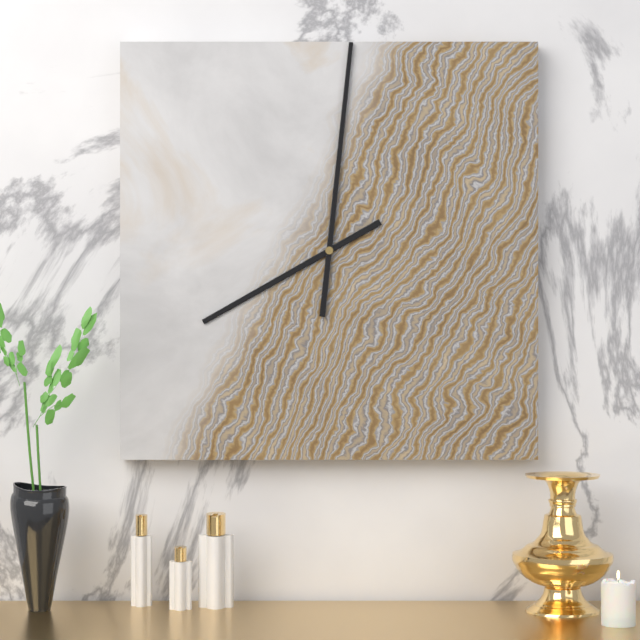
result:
8,01
